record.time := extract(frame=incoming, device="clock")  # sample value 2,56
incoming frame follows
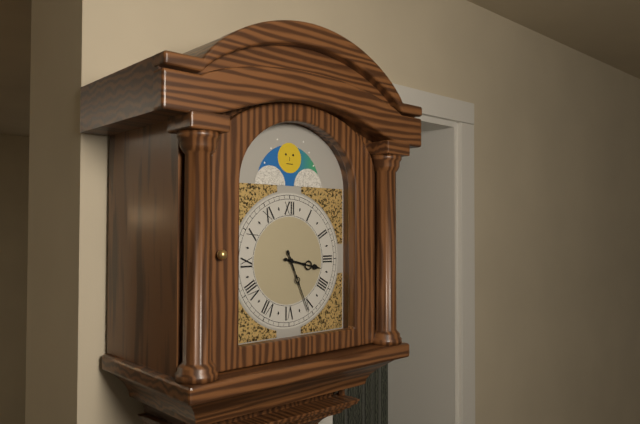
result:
3,26
